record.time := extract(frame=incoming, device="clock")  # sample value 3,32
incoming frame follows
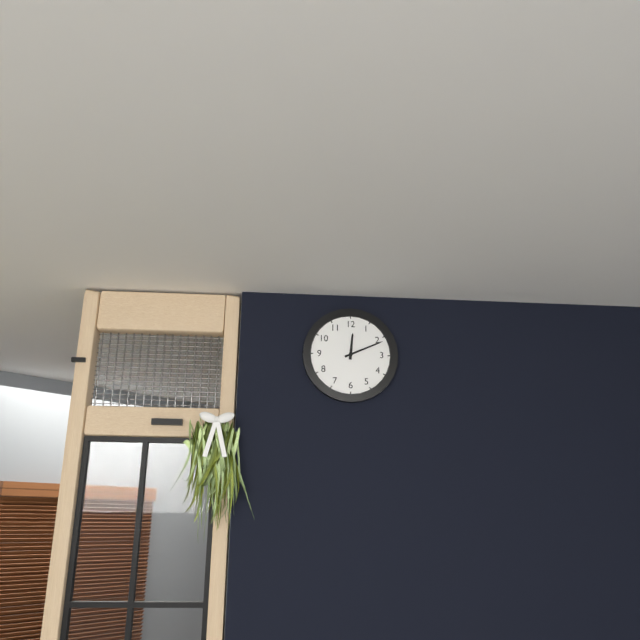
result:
12,11
